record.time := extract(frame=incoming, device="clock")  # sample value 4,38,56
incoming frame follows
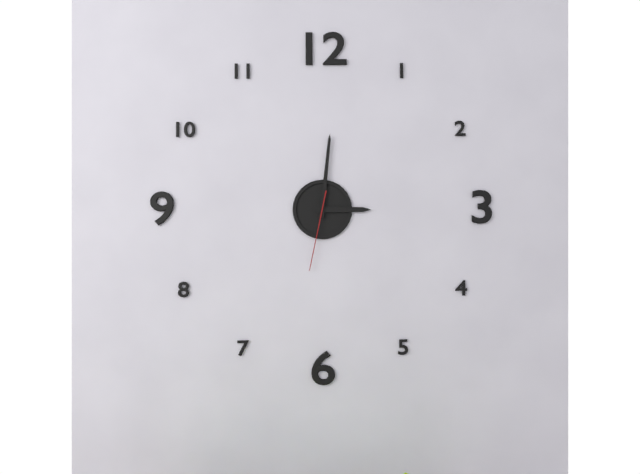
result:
3,01,32
